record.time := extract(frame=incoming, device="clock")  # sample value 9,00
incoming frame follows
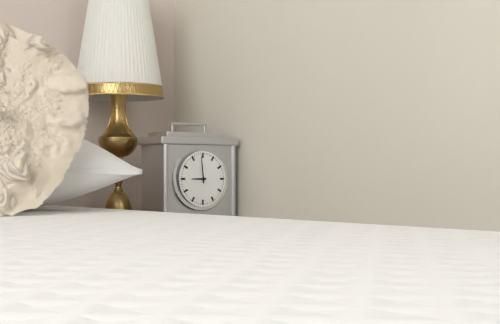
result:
8,59
